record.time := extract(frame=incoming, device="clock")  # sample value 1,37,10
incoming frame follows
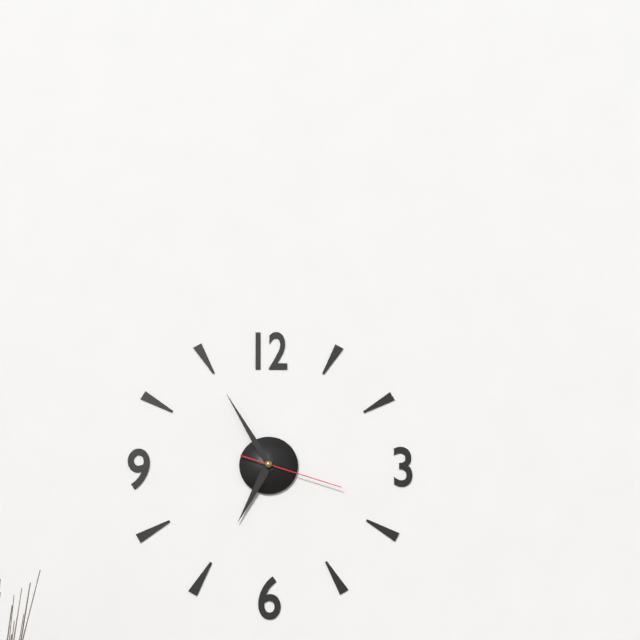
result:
6,55,18
